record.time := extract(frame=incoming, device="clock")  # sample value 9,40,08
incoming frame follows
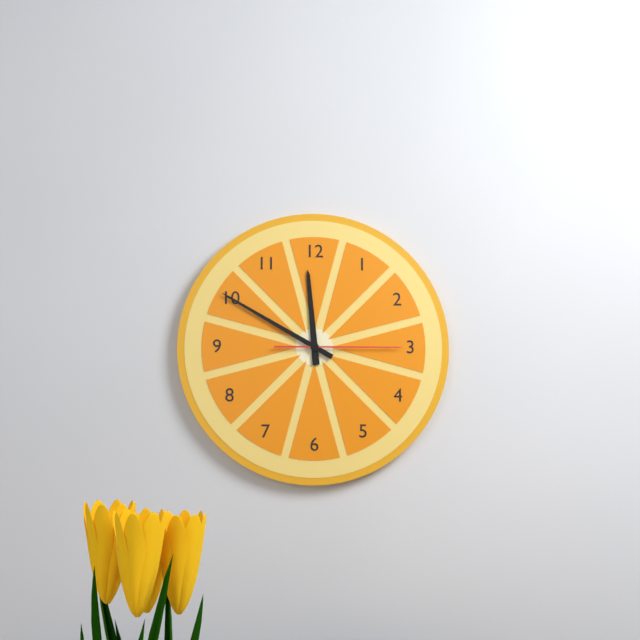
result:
11,50,15
